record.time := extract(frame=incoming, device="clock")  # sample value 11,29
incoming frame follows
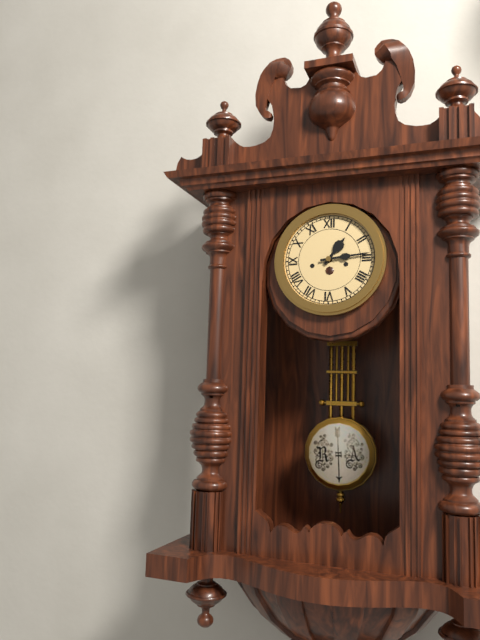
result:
1,14
